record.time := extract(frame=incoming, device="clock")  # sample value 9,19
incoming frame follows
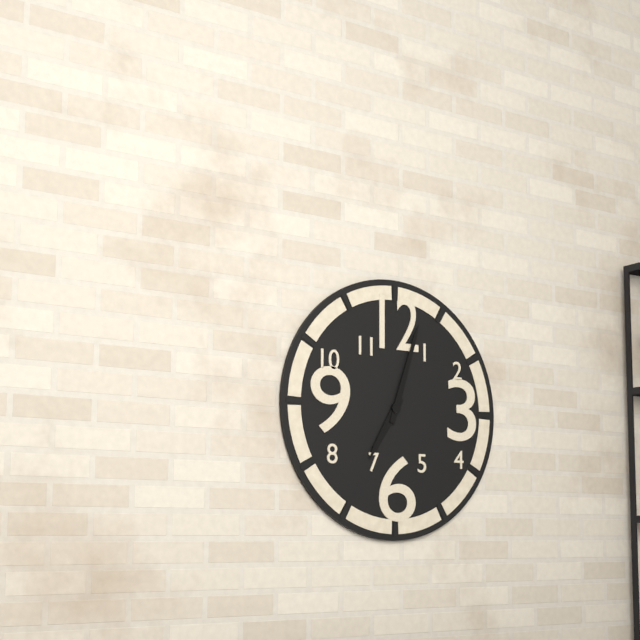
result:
7,03
